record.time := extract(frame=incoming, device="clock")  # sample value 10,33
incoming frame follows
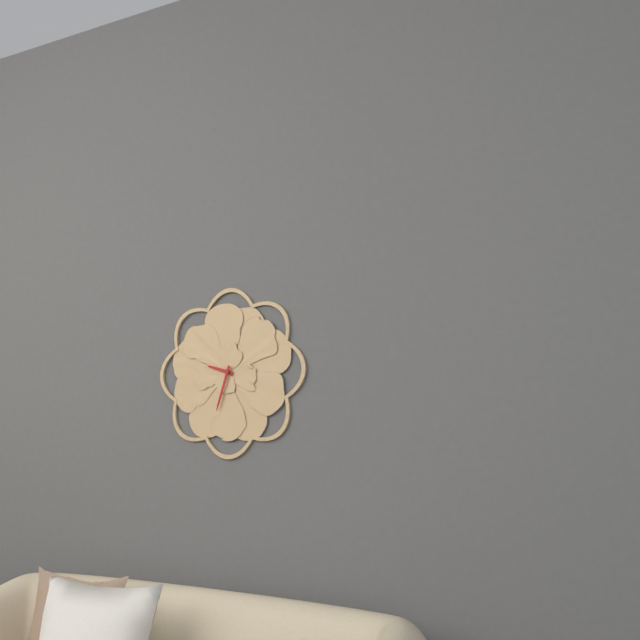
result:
9,33
